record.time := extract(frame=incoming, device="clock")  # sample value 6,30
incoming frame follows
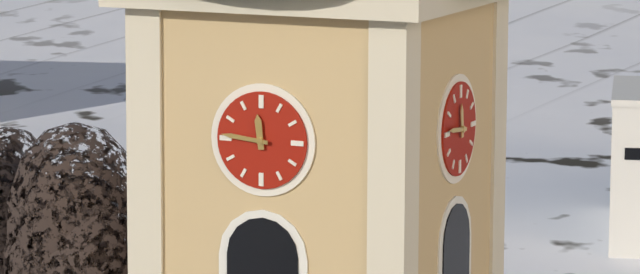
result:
11,46
